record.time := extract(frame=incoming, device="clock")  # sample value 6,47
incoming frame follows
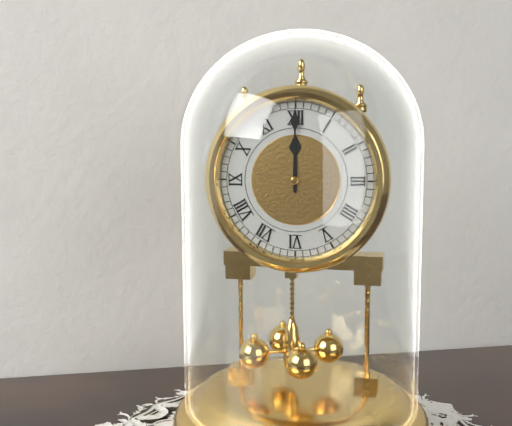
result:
12,00
